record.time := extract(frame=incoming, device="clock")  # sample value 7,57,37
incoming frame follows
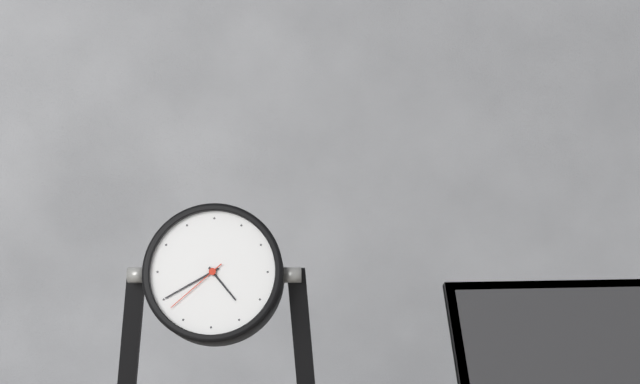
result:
4,40,38
